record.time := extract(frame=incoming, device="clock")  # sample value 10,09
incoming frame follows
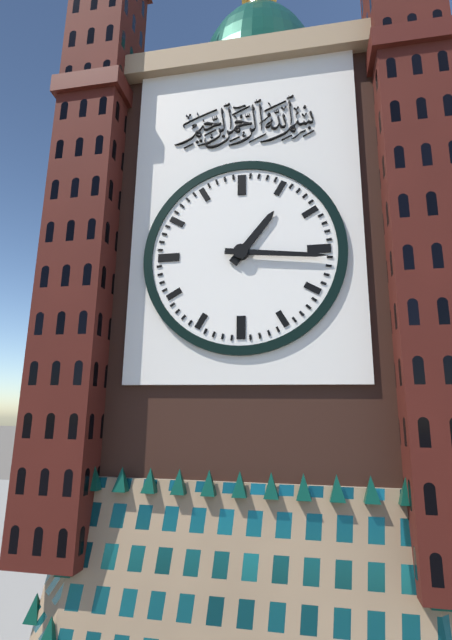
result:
1,16
